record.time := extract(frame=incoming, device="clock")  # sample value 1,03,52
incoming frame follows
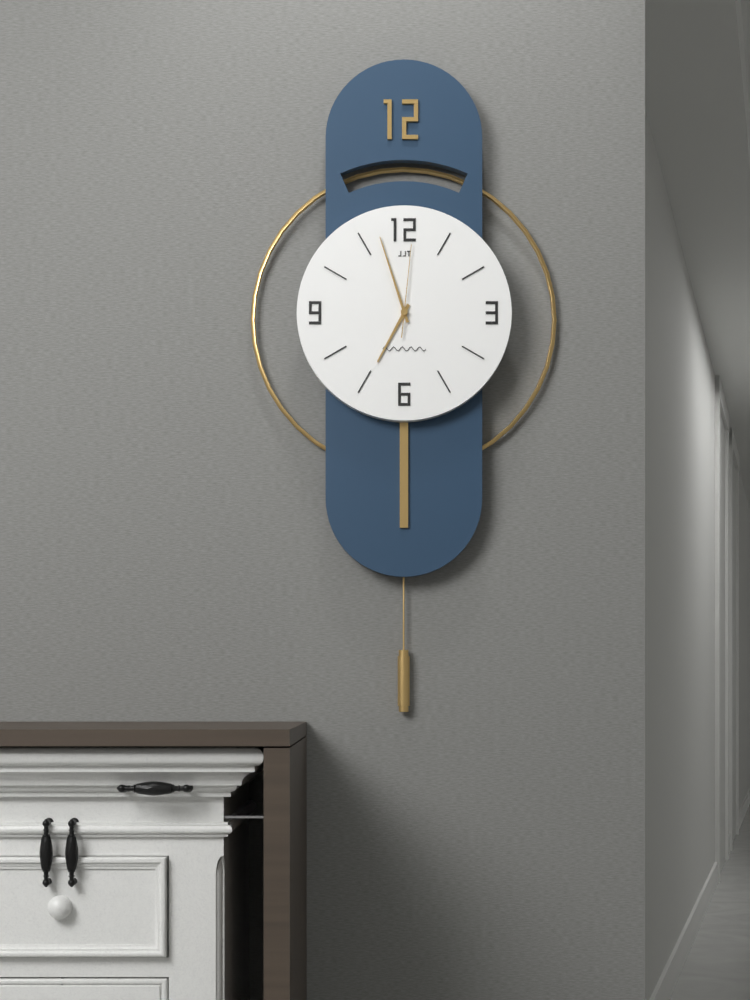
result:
6,57,01
